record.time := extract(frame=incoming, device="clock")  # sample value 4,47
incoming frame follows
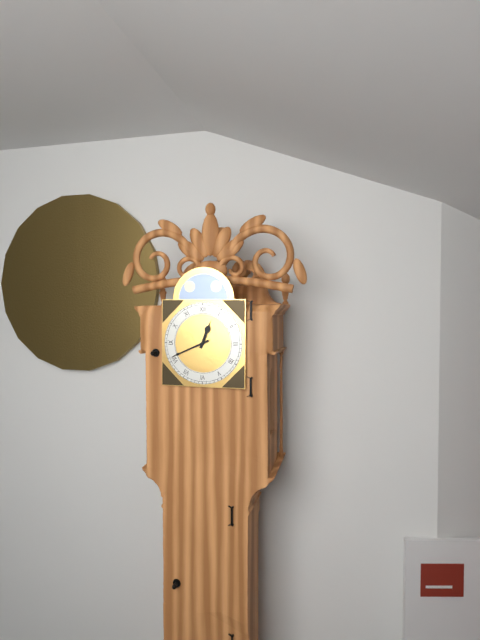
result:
12,41
